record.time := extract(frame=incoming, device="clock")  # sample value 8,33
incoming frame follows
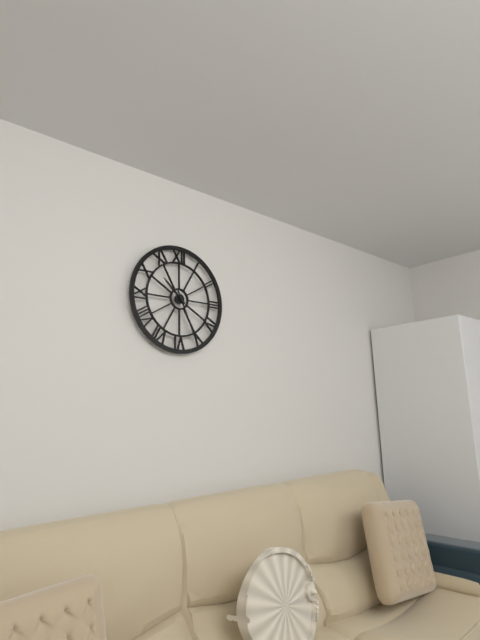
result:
10,26
